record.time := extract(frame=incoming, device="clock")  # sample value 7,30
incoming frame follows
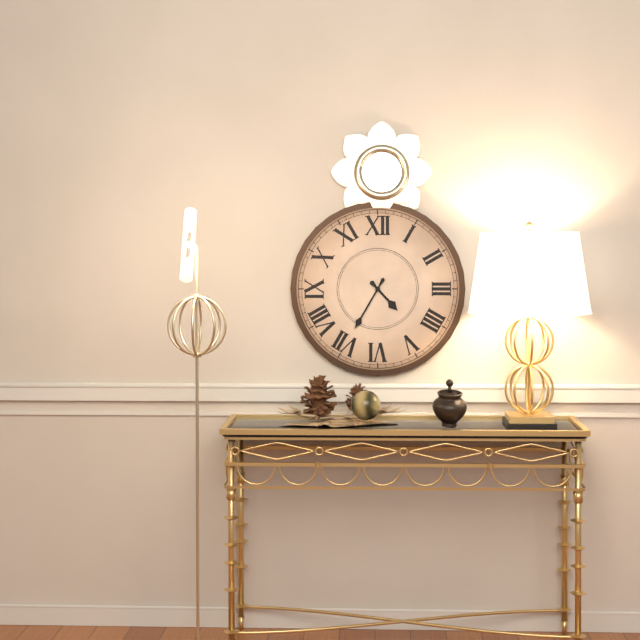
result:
4,35
